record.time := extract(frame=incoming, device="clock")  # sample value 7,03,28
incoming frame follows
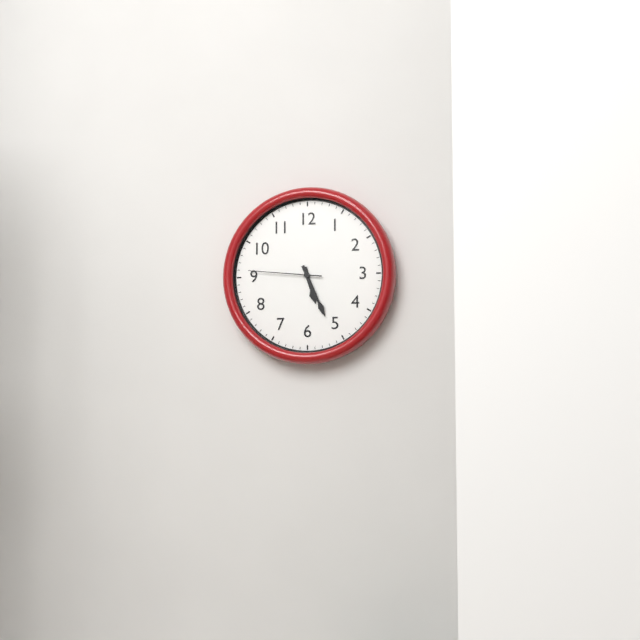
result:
5,26,46
